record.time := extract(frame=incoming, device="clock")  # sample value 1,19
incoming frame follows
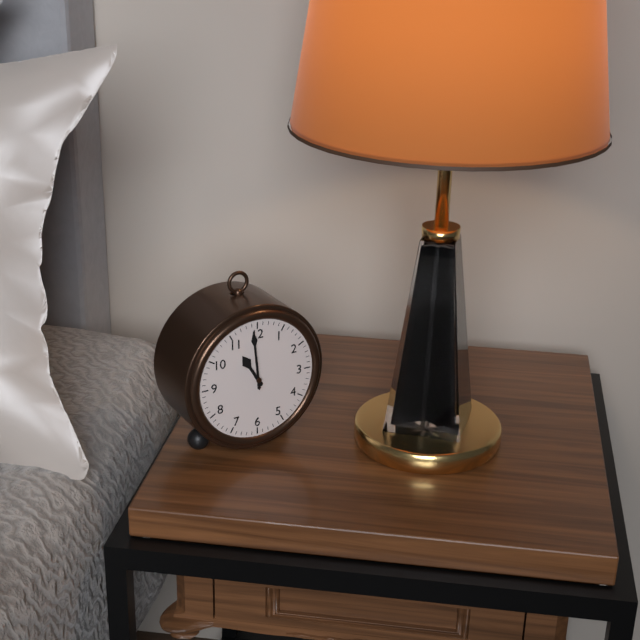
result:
10,59
